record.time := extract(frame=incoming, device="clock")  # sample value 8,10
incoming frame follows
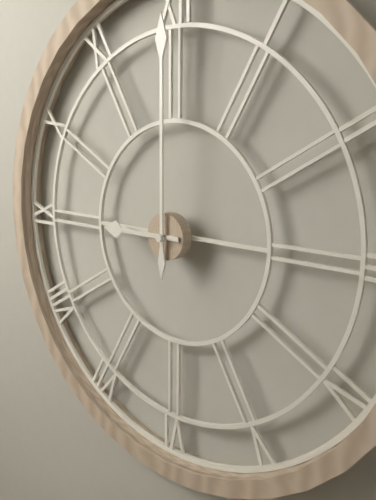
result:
9,00
